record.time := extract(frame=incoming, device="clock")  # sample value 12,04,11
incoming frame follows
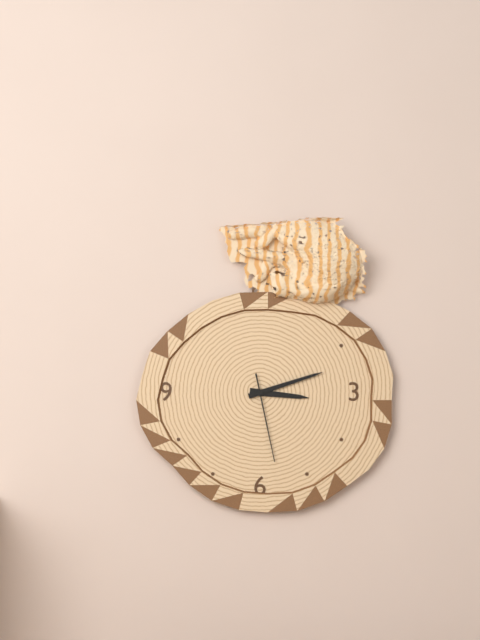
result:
3,12,28
